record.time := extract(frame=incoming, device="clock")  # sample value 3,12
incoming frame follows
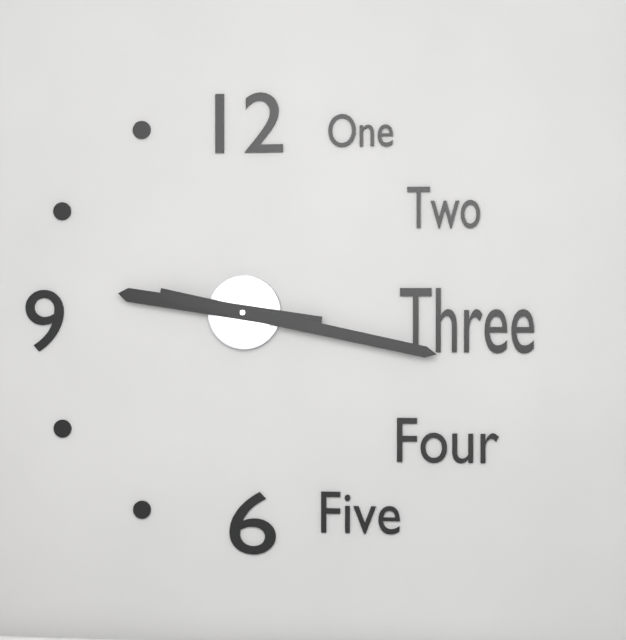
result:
9,17
